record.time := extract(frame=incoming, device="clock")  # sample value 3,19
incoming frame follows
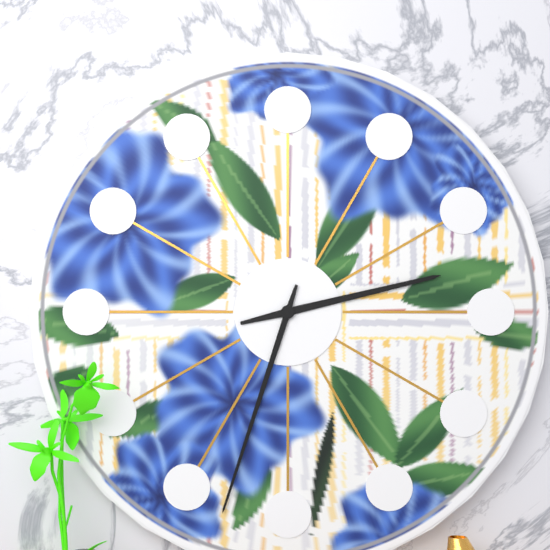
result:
2,33
